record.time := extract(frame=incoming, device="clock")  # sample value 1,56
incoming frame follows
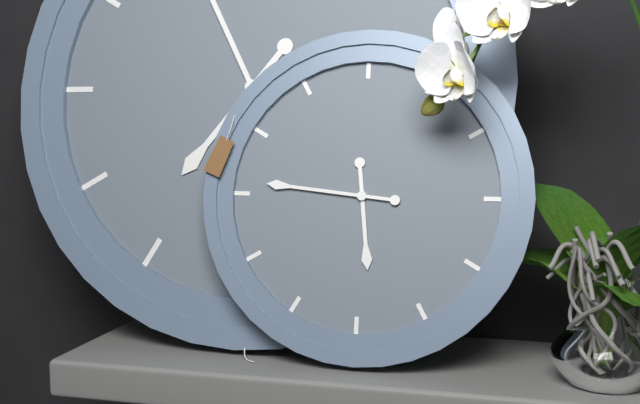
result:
5,46
